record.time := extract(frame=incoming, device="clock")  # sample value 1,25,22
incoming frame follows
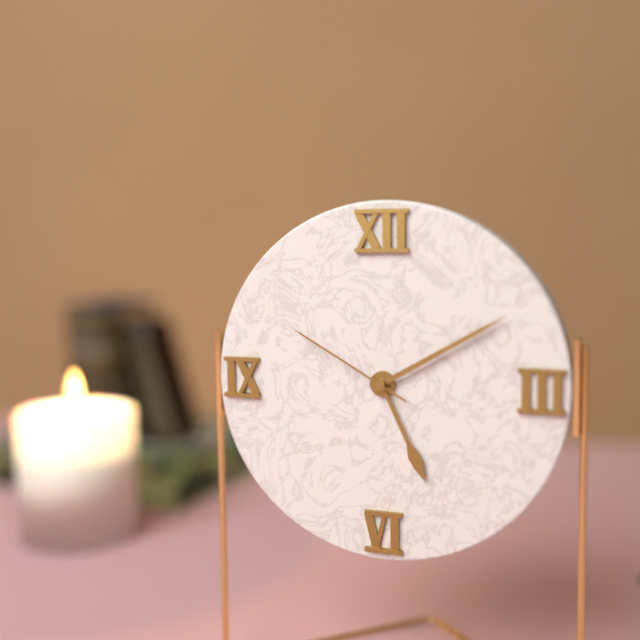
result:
5,10,50
